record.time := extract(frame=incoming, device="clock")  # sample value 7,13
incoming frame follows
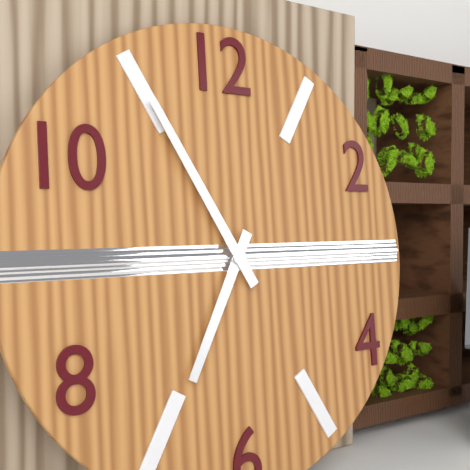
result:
6,55
